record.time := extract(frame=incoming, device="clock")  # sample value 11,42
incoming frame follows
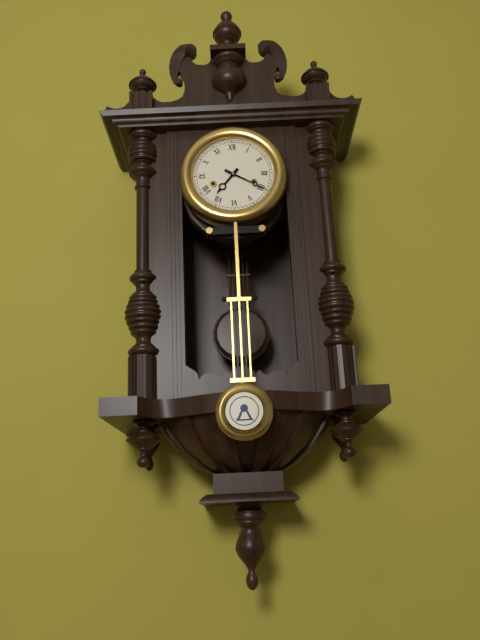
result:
7,20
